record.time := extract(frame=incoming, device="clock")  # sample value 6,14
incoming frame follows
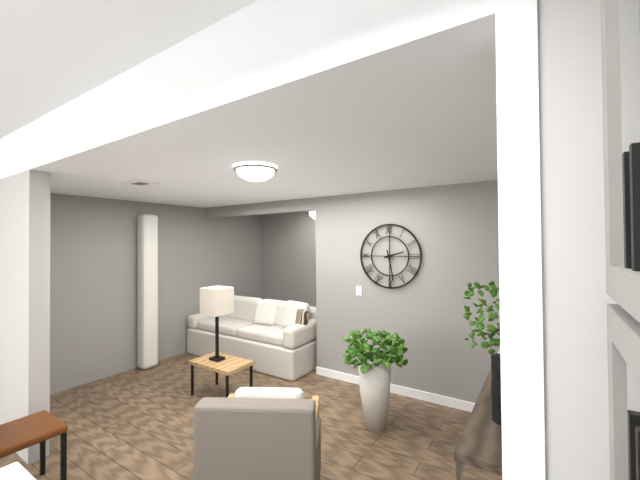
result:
2,28
